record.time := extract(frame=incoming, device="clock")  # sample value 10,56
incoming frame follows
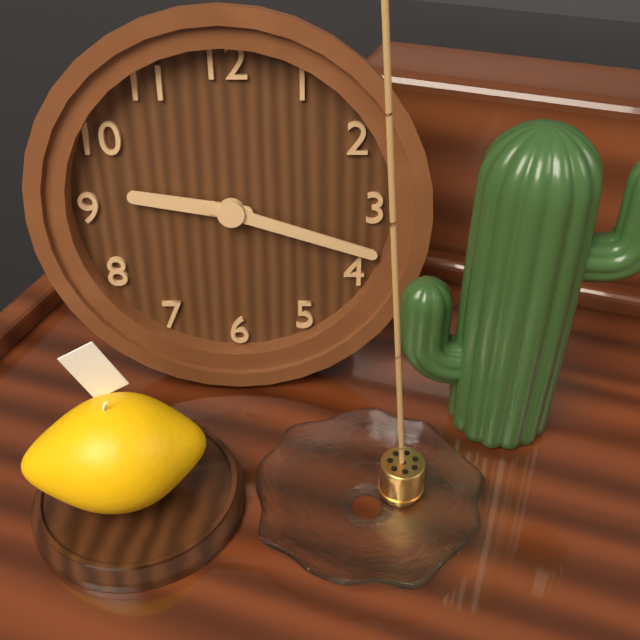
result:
9,18
